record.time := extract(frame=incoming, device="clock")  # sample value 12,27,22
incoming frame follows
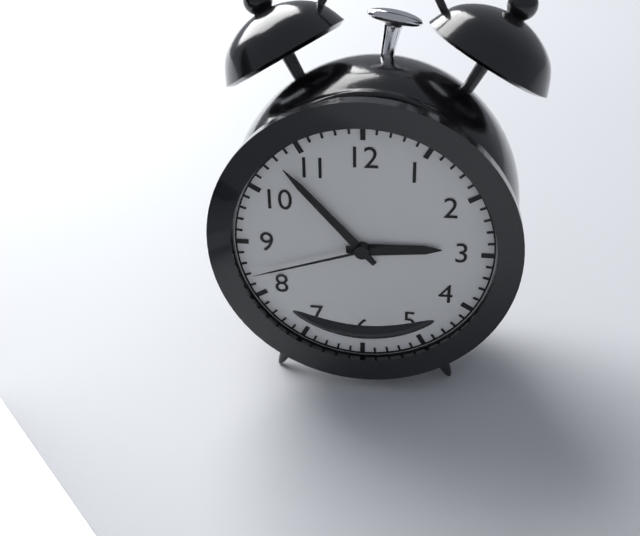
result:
2,53,42
